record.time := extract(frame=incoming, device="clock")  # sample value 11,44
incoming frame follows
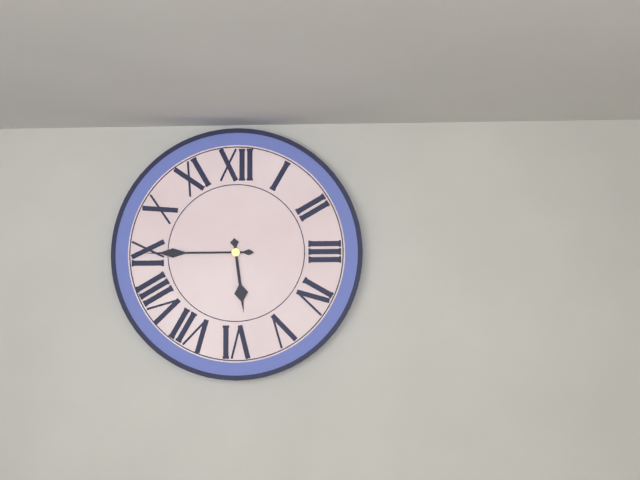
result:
5,45
